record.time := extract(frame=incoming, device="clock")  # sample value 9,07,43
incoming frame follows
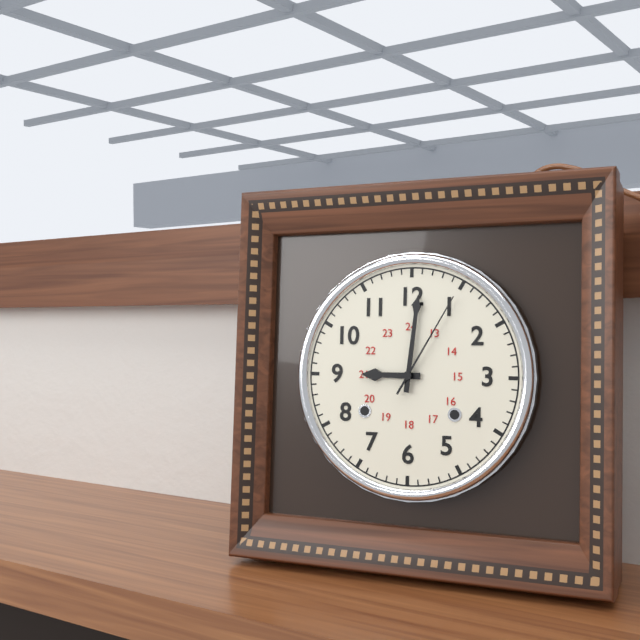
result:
9,01,05
